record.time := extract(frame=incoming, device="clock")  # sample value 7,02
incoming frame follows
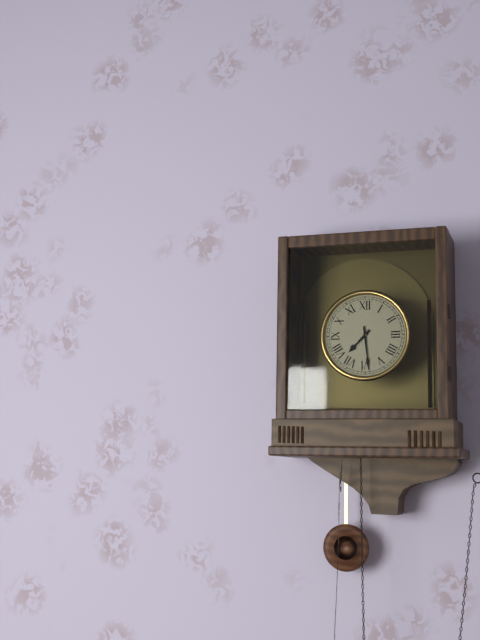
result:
7,29
